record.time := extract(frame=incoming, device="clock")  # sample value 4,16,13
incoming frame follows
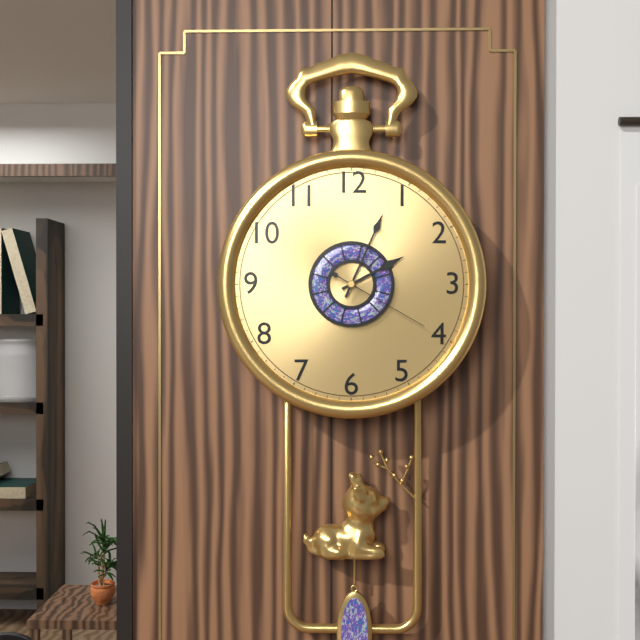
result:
2,04,20
